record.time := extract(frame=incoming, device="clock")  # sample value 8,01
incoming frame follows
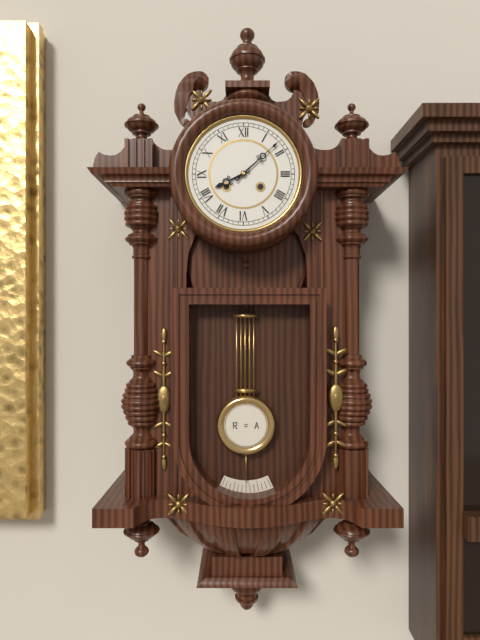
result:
8,08
